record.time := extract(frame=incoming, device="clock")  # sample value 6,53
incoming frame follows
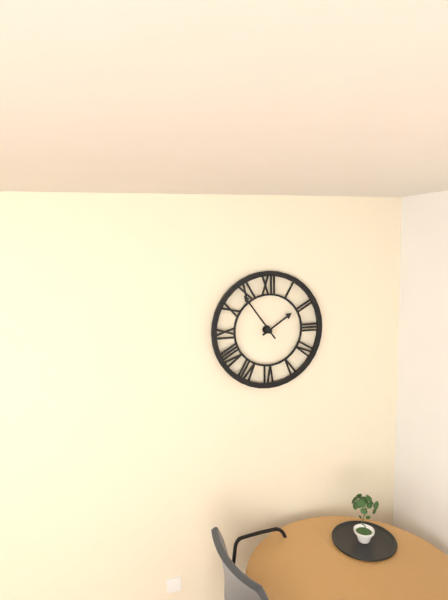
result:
1,54
